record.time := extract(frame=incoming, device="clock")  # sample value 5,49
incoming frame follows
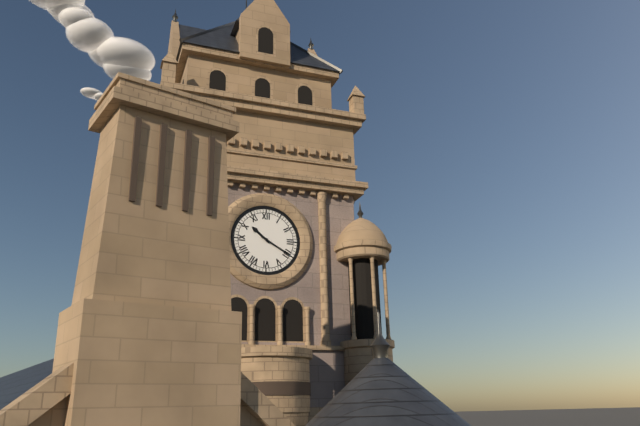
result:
10,20
